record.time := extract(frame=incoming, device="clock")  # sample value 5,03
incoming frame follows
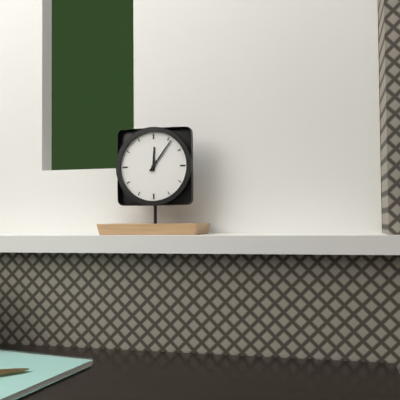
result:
12,06
